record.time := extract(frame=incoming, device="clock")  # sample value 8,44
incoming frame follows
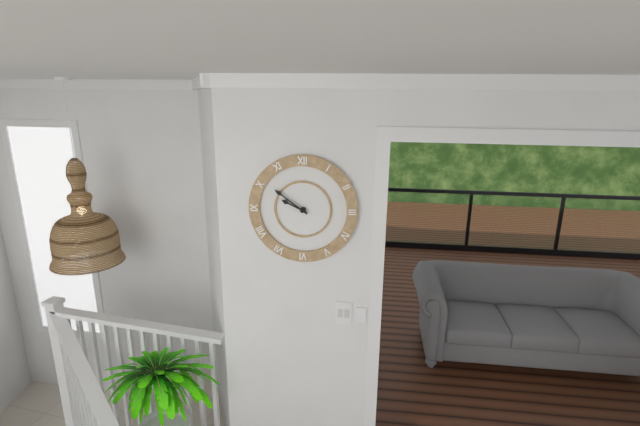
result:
9,51
